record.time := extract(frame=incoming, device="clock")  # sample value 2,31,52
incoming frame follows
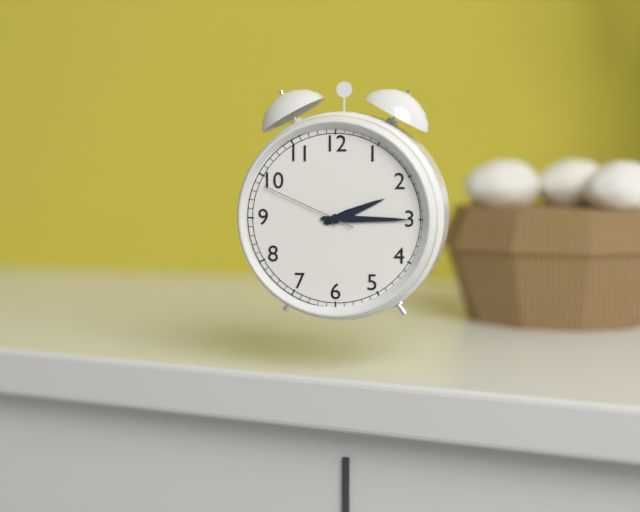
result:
2,15,49
